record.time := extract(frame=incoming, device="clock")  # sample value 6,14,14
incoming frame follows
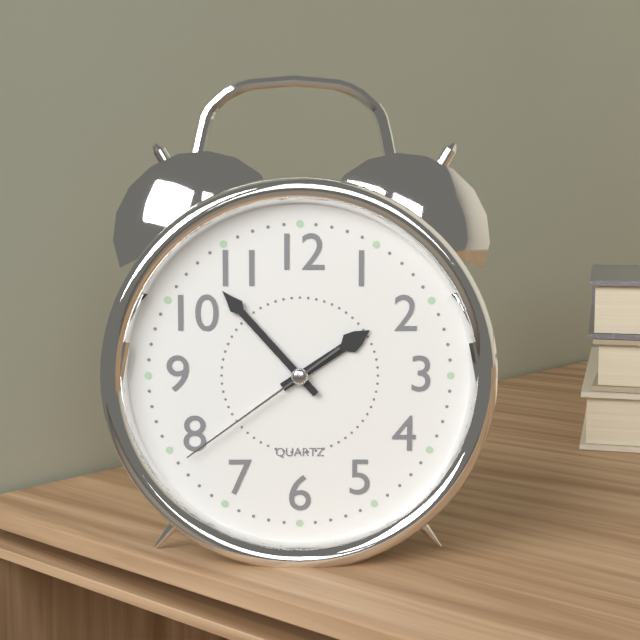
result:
1,53,39
